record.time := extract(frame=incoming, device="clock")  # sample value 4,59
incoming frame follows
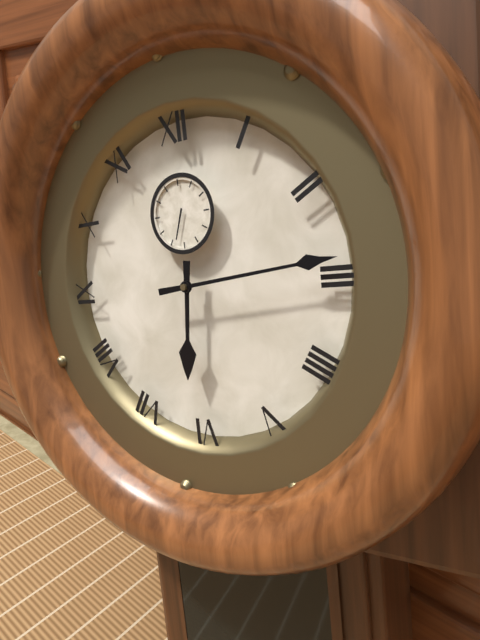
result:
6,14
